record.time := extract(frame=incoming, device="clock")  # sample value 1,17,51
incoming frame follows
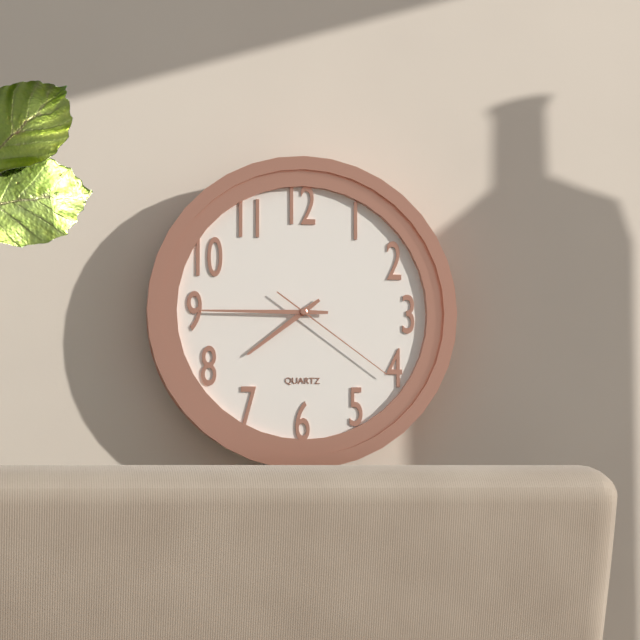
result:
7,45,21
